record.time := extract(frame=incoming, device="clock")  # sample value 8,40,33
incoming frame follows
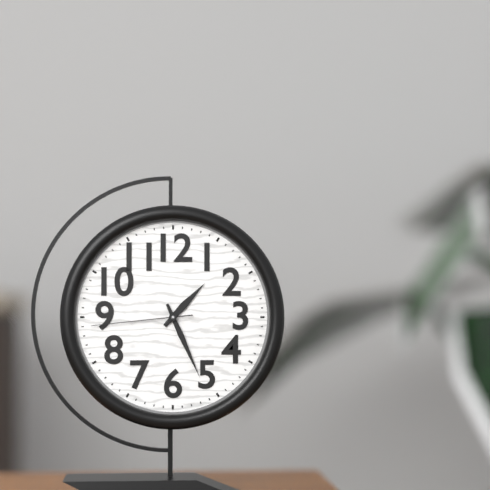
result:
1,26,44
